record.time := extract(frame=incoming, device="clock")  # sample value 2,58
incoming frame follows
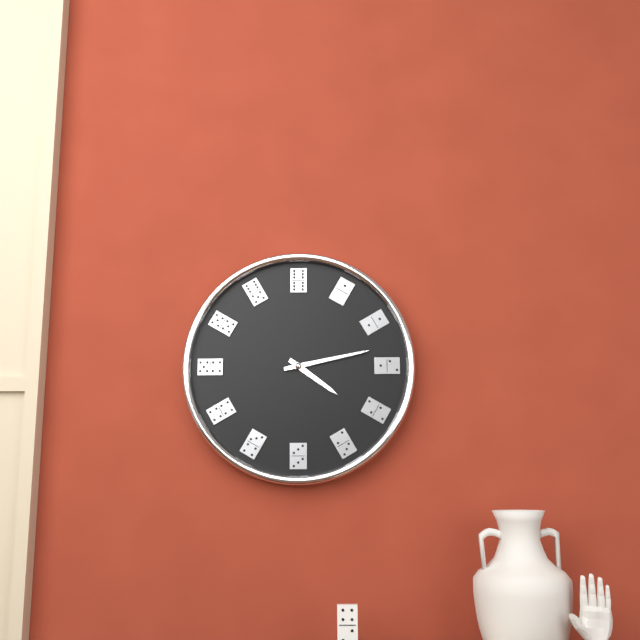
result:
4,13
